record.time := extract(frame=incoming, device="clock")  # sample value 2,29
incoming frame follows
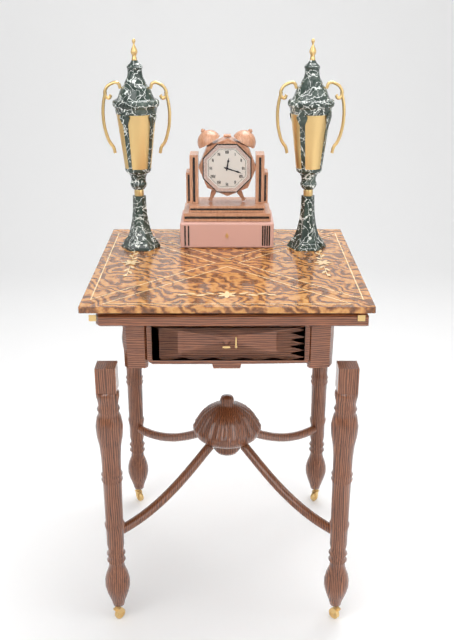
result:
12,18
